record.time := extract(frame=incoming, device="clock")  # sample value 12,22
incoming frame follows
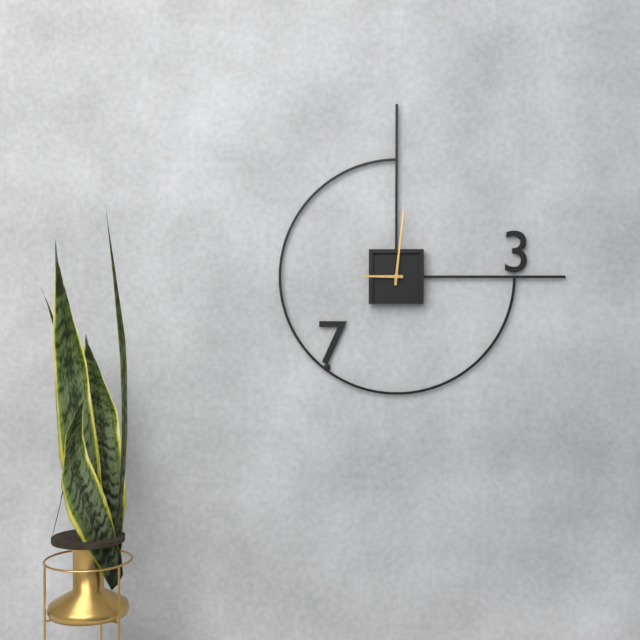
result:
9,01
